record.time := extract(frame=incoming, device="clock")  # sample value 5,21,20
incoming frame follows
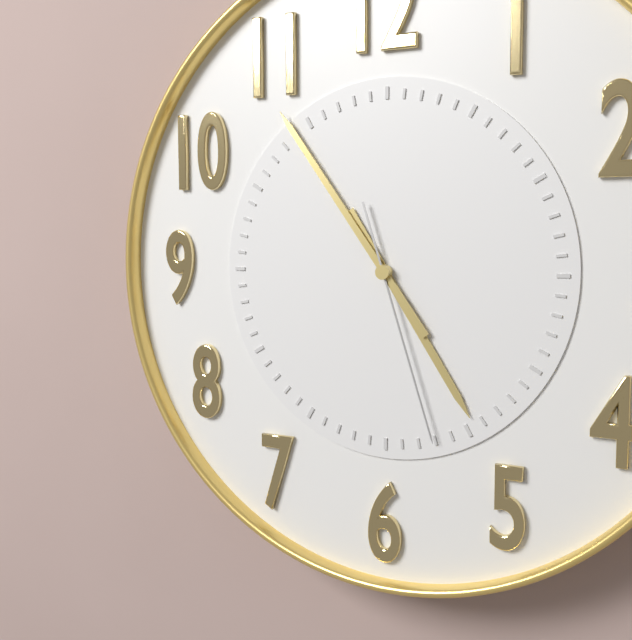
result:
4,54,27
